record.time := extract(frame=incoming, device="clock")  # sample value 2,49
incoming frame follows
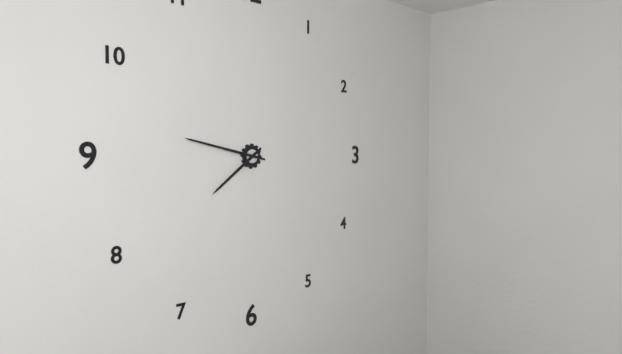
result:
7,47
